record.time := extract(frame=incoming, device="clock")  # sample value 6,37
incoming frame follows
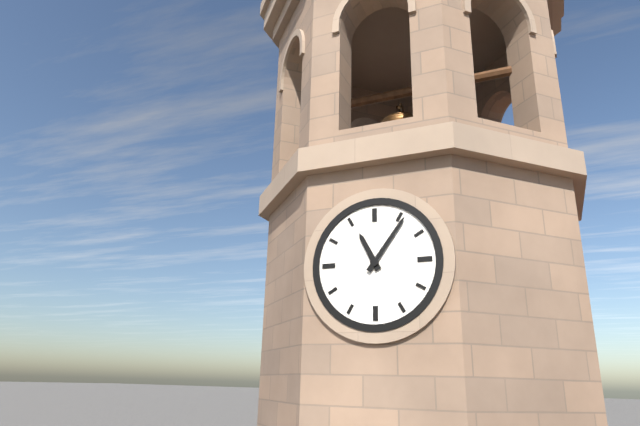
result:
11,06
